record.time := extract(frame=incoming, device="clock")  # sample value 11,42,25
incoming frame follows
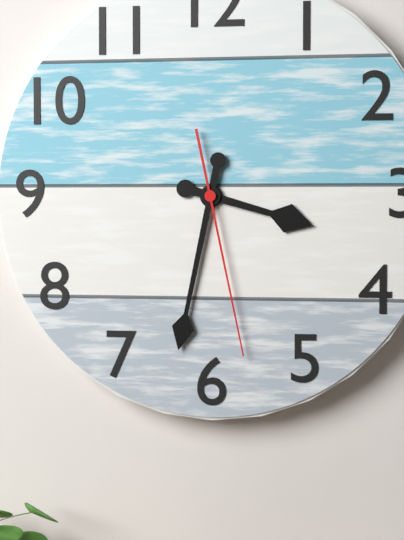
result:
3,32,28
